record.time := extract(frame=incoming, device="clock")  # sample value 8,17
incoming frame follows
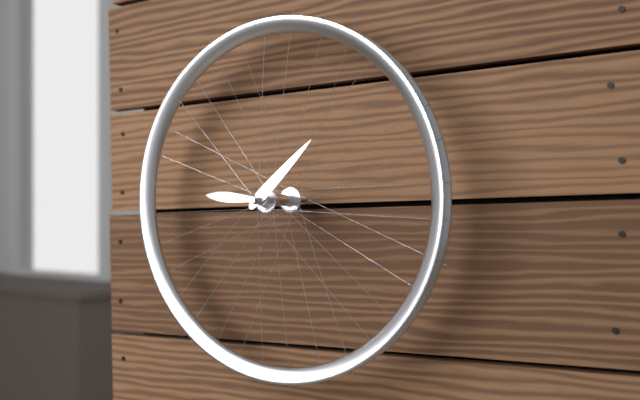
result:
9,08
